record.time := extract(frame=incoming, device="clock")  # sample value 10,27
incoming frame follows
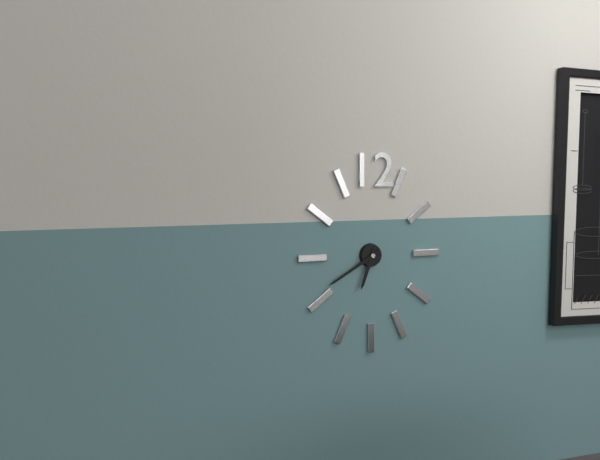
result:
6,40
